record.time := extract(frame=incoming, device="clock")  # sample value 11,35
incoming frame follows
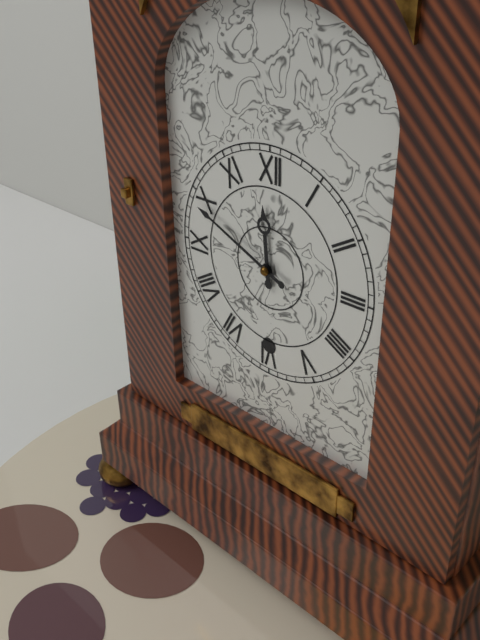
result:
11,49
